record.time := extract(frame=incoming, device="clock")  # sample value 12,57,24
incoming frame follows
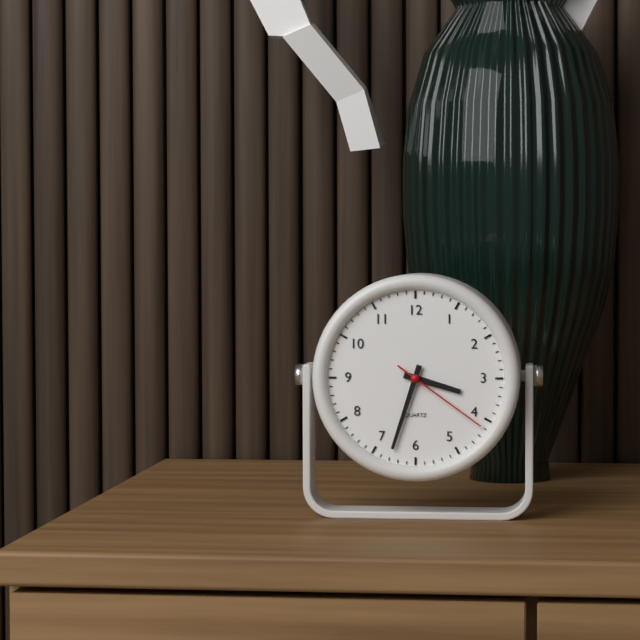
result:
3,33,21
